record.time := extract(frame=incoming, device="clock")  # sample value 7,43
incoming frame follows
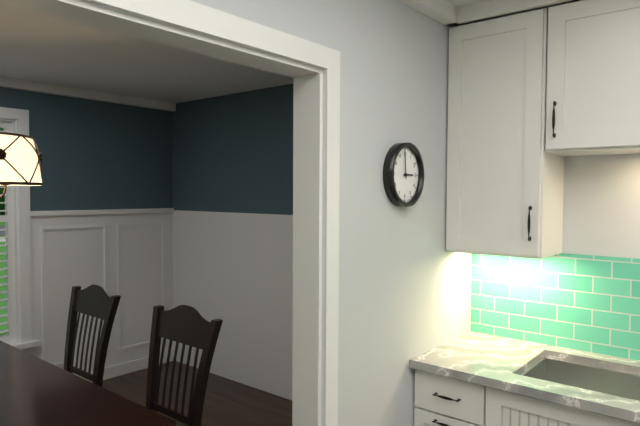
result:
2,59
